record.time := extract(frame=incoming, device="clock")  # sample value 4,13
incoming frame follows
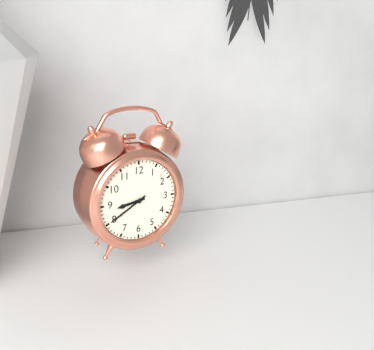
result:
8,40
